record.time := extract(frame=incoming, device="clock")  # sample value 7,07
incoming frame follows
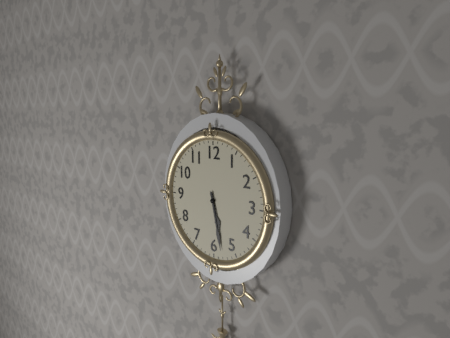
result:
5,28
